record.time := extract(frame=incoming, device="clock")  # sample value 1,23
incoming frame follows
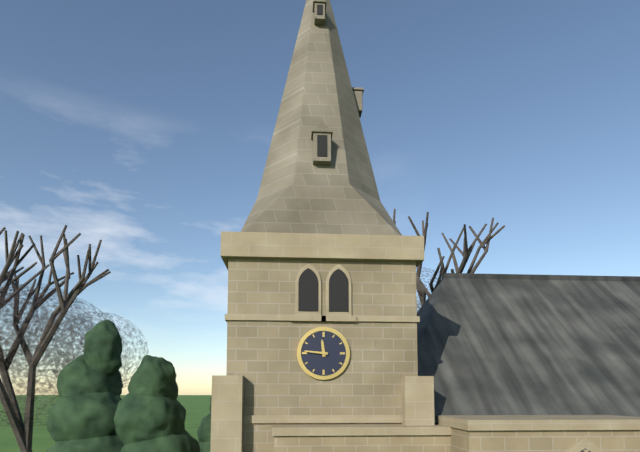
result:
11,46
